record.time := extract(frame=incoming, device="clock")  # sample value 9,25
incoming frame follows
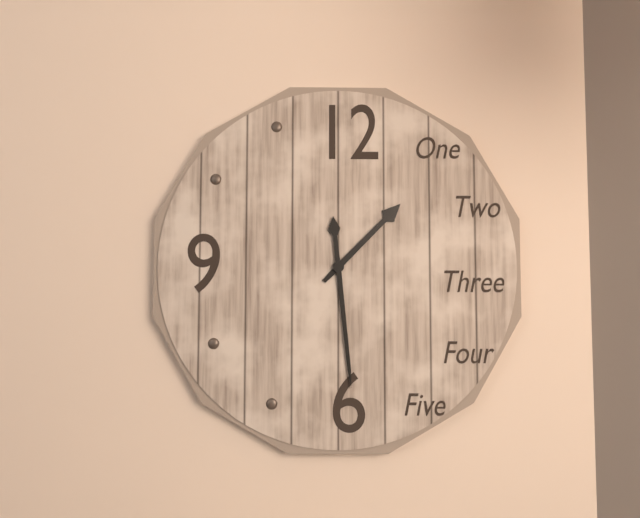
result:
1,29
